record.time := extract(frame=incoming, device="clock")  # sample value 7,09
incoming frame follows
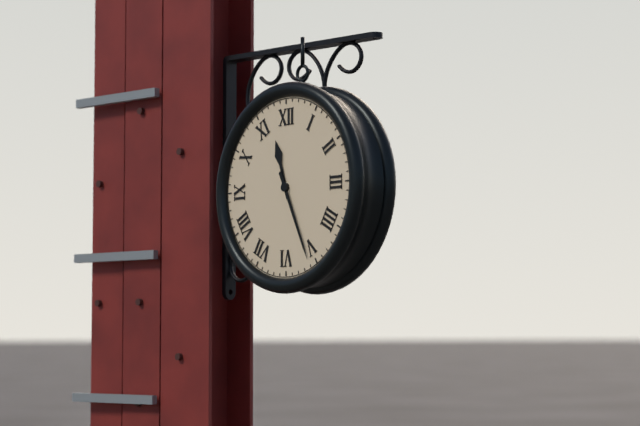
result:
11,26
